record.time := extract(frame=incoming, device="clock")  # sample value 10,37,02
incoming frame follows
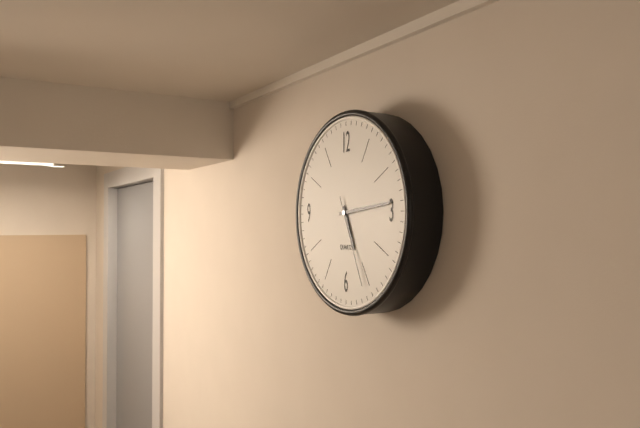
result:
5,14,26
